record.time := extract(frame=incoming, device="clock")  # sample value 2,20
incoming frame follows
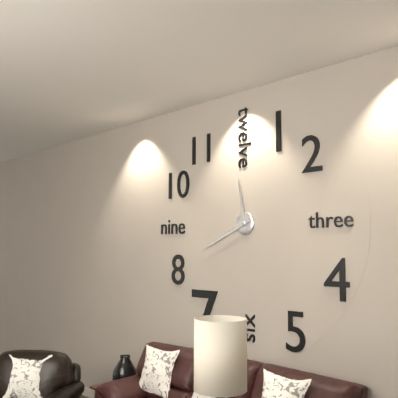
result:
11,41
